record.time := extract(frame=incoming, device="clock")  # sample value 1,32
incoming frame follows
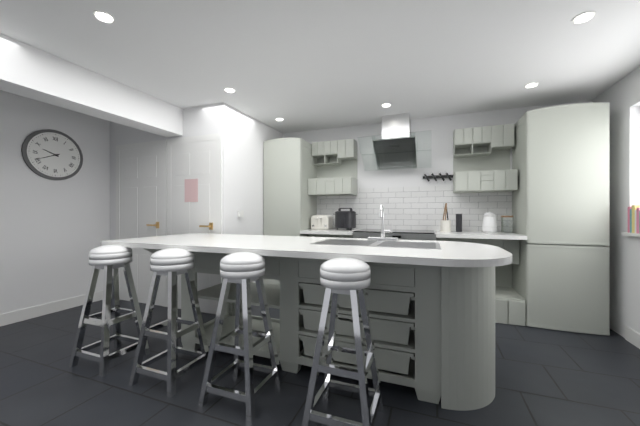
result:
9,41
